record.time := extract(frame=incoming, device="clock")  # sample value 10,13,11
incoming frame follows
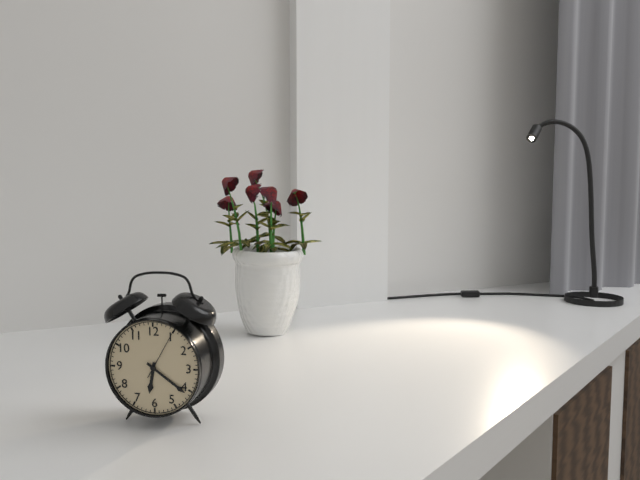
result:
6,21,05
